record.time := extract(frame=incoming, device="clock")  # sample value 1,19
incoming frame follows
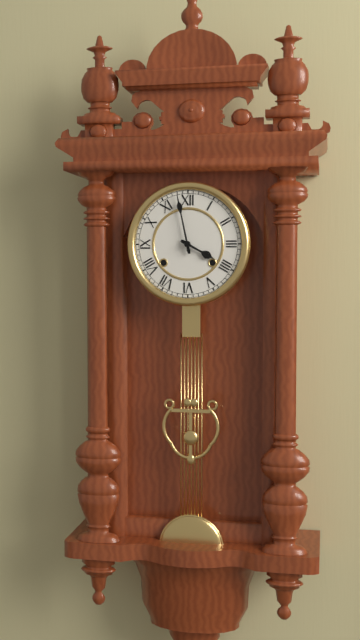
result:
3,58
